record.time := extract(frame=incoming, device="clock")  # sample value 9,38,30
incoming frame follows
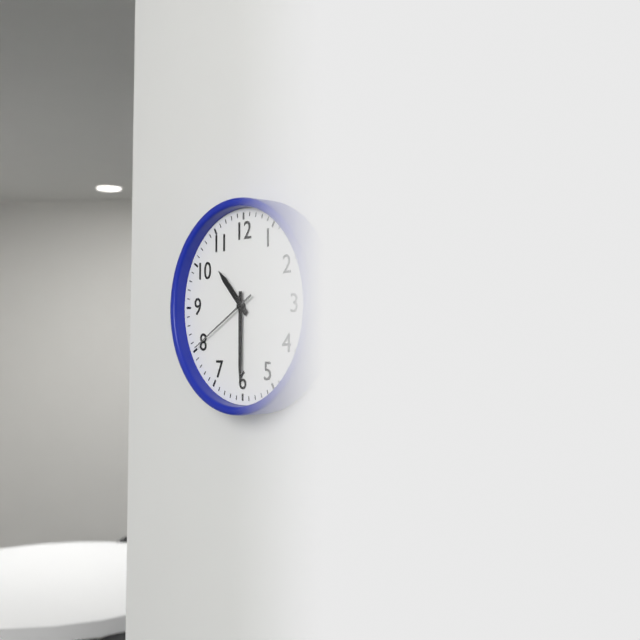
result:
10,30,40
